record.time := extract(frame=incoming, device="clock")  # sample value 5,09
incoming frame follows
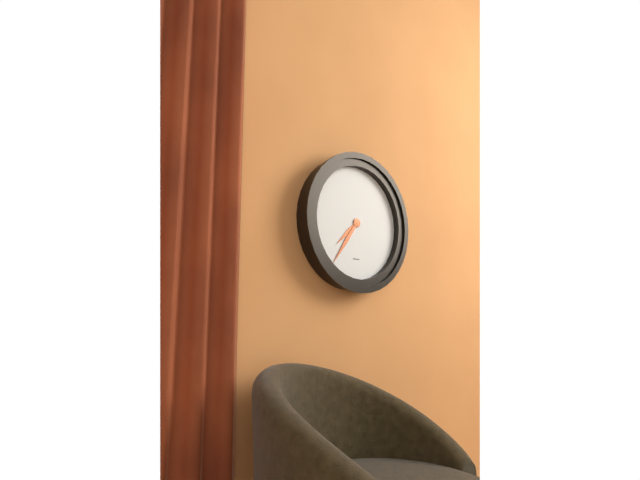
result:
7,36
